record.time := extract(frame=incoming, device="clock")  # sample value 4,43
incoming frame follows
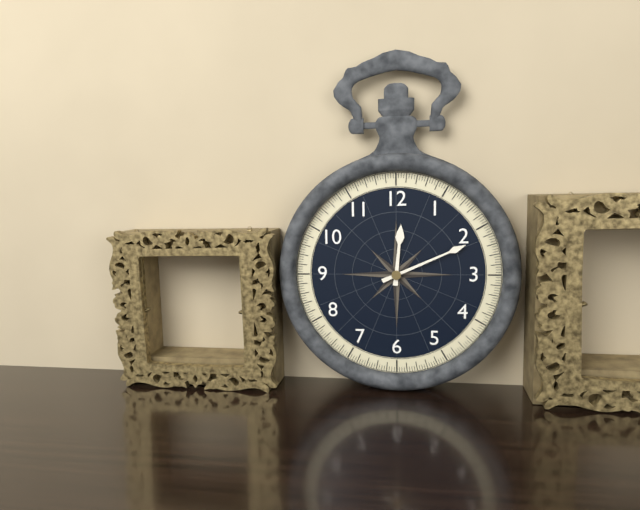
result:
12,11
